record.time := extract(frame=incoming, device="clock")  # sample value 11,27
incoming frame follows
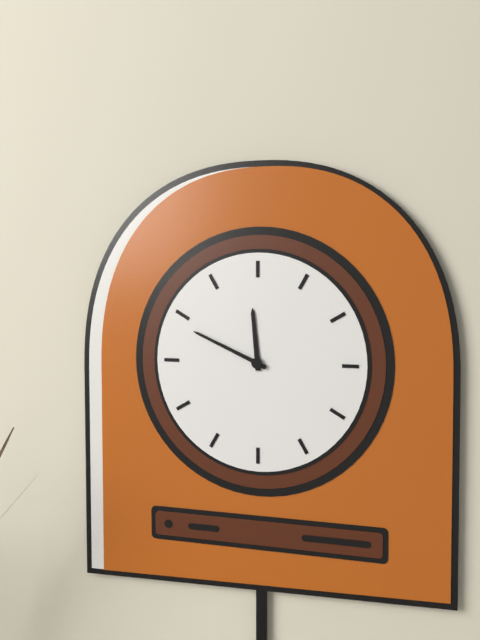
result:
11,49
